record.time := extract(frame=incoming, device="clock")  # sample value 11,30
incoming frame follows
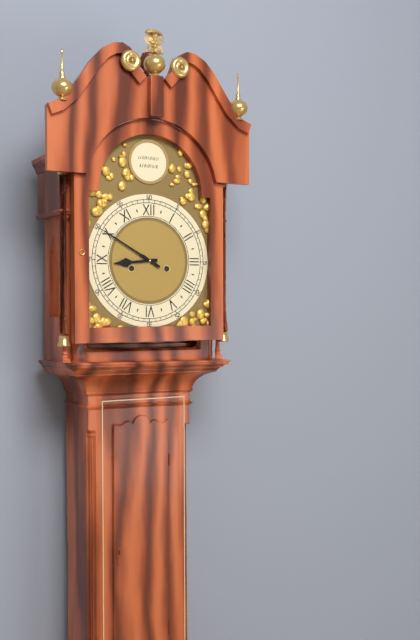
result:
8,50
